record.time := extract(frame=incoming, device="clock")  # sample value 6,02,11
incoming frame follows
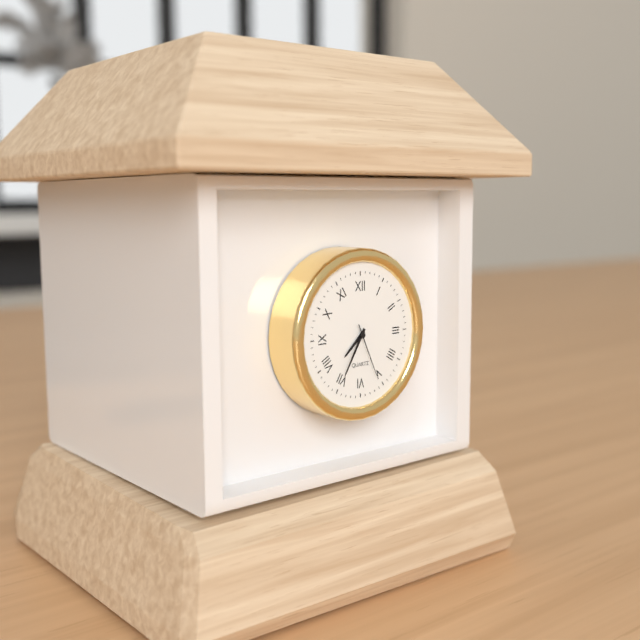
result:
7,35,26
